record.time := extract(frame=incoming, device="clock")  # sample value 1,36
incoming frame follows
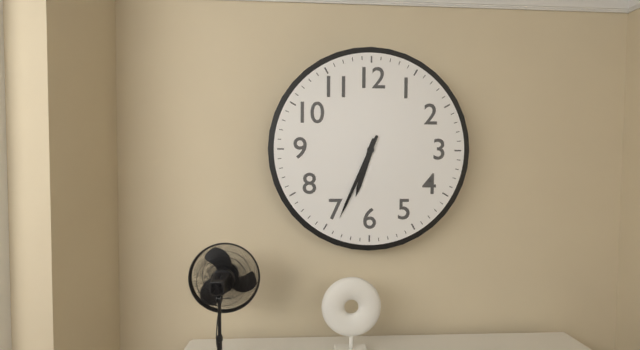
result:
6,34
